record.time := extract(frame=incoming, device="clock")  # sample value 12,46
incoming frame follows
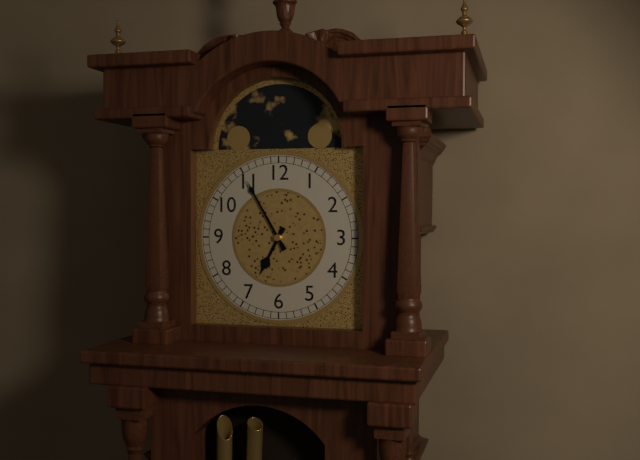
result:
6,55
